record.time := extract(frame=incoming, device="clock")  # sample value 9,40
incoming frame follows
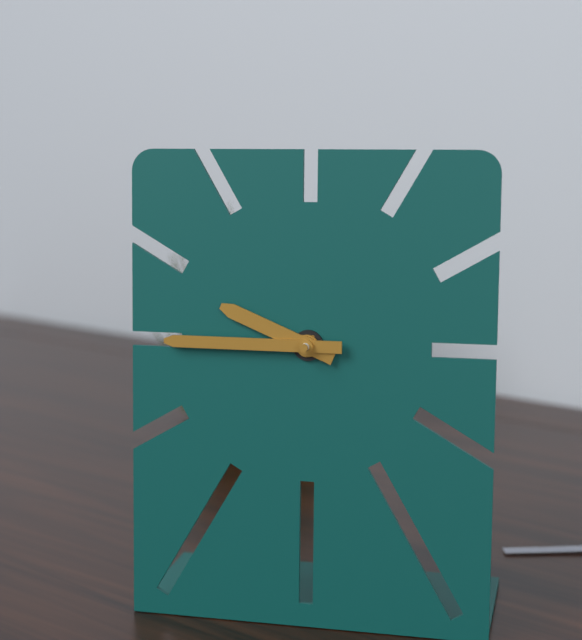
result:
9,45
